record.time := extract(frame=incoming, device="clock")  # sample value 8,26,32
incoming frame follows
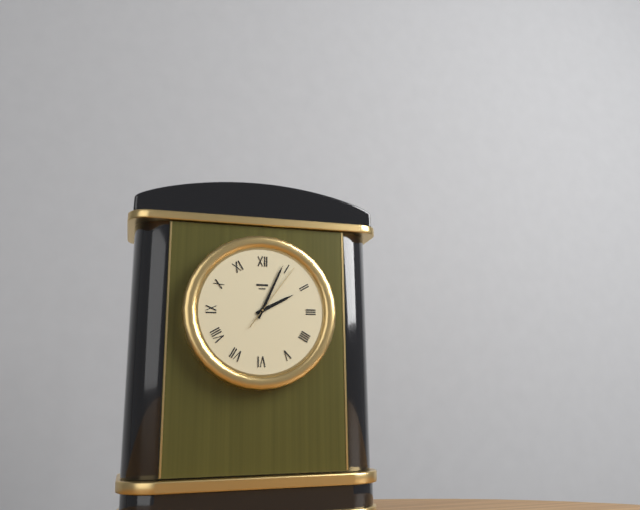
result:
2,04,06
